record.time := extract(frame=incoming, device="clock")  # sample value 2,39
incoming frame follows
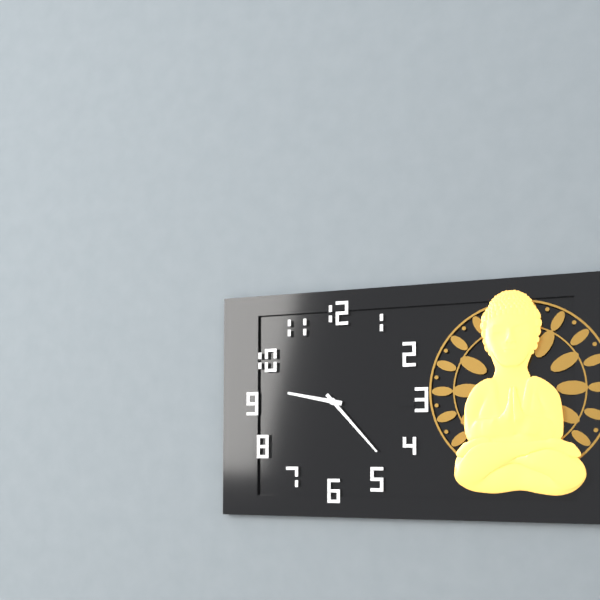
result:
9,23
